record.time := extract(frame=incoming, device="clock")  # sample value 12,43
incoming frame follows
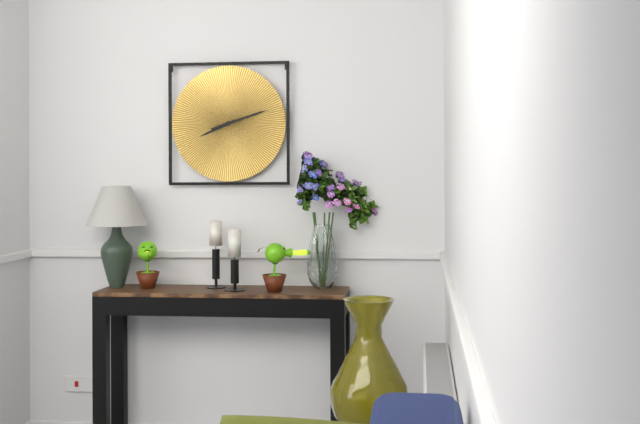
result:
8,12
